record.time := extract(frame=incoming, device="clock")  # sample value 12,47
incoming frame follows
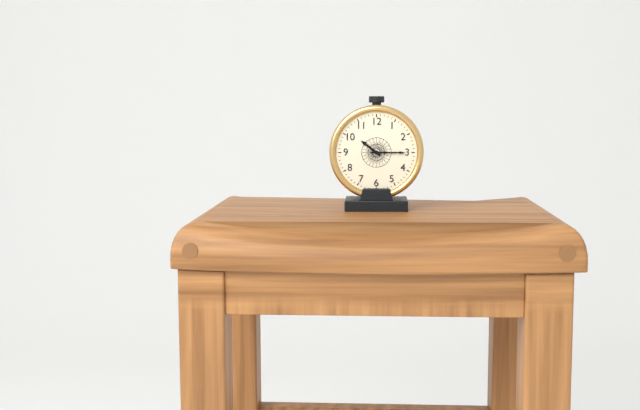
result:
10,15
